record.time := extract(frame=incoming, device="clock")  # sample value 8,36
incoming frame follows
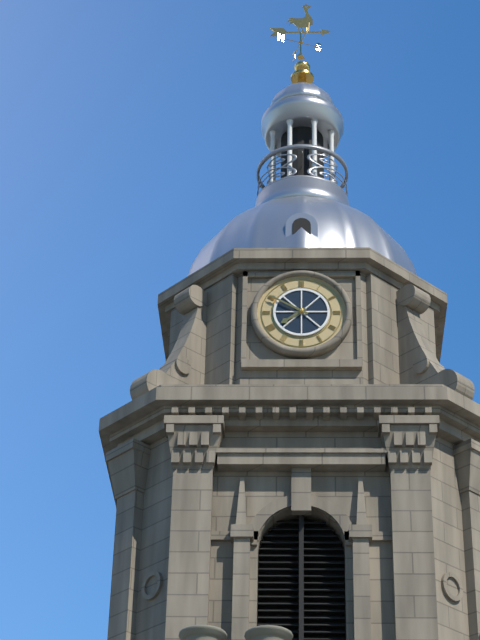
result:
7,50
